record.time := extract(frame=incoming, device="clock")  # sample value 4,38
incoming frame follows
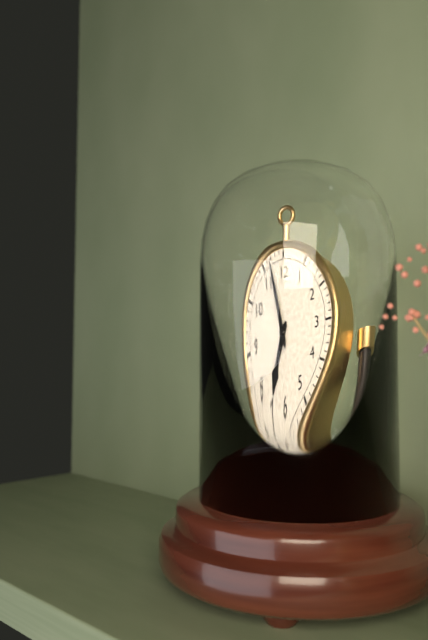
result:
6,57
